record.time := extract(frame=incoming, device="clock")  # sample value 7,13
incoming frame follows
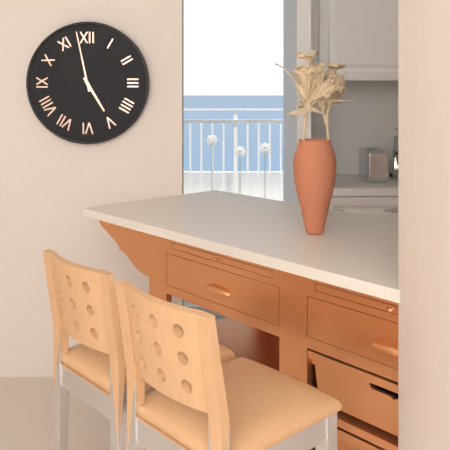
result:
4,58
